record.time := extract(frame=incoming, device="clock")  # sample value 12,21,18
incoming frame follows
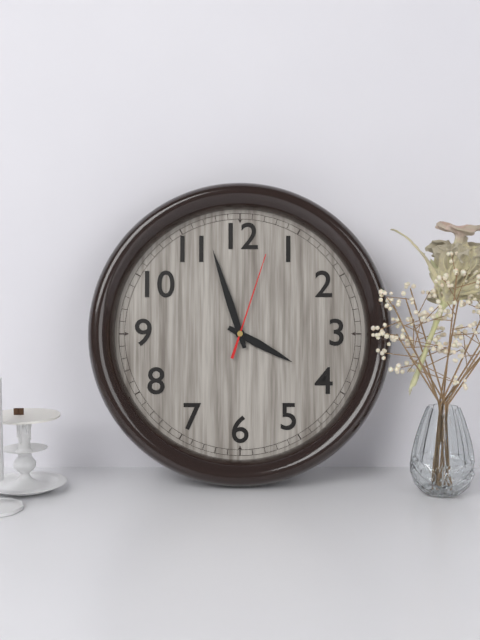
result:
3,57,03
